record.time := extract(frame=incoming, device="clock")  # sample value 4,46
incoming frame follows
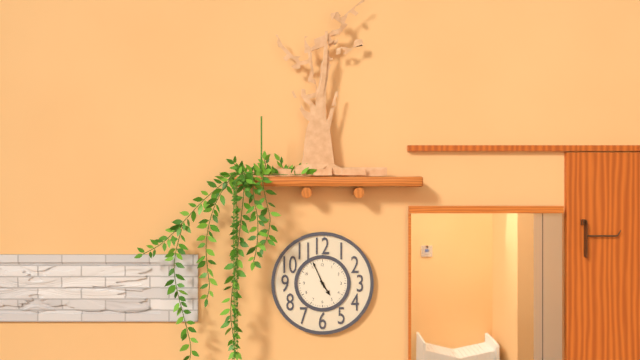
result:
4,56
